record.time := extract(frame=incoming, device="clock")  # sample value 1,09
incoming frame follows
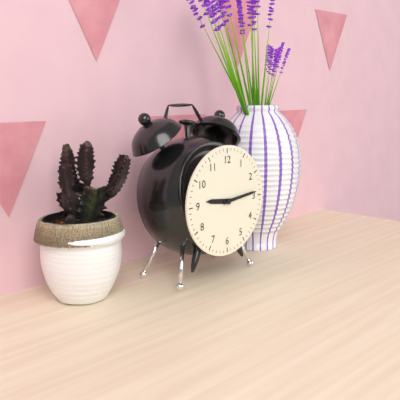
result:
9,14
